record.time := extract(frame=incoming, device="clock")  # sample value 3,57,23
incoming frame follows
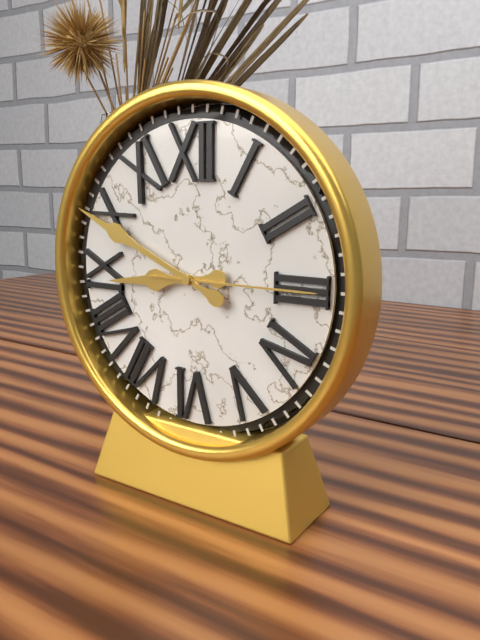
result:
8,49,15
